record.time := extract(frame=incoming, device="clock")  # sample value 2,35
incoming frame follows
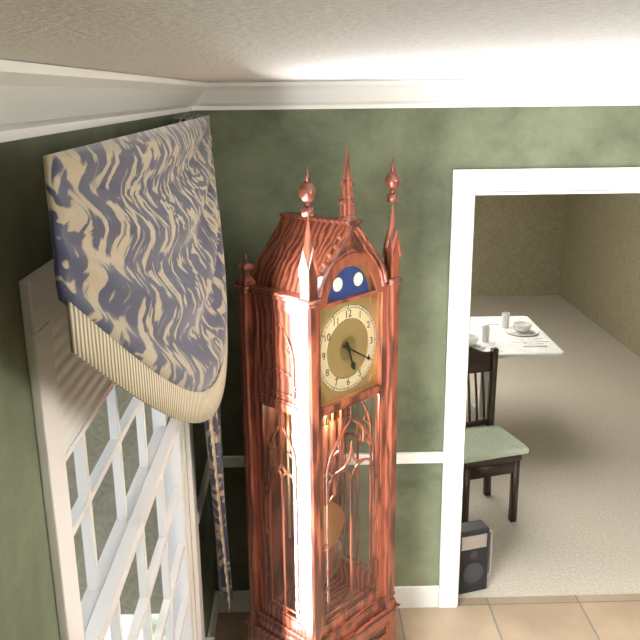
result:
5,20
